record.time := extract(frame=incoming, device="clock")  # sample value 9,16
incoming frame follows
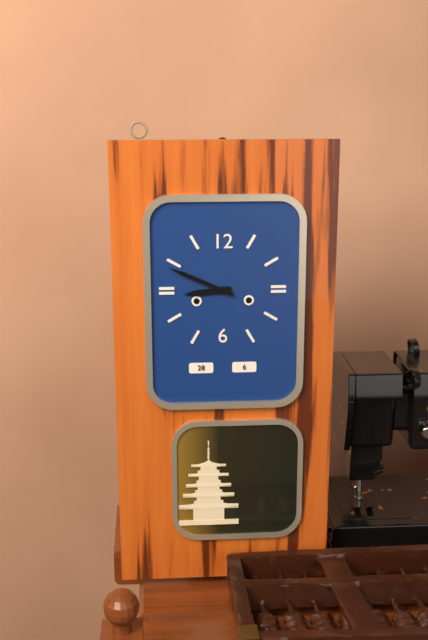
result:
8,49
